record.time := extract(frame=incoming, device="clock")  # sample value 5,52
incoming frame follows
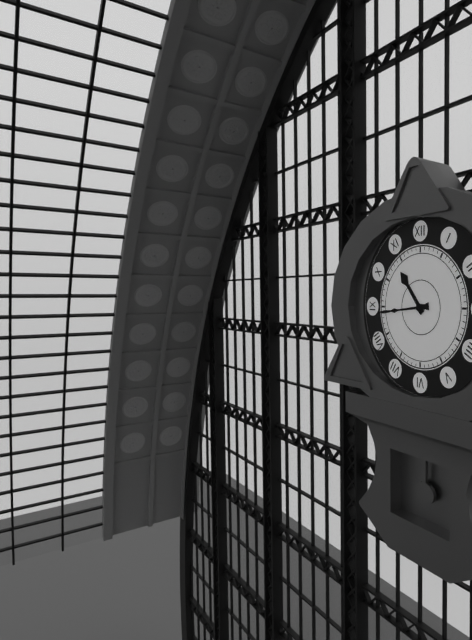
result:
10,44
